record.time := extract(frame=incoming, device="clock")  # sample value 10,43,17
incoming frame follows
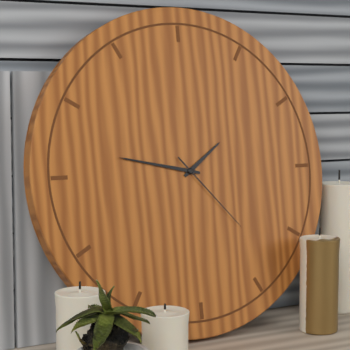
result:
1,47,23
